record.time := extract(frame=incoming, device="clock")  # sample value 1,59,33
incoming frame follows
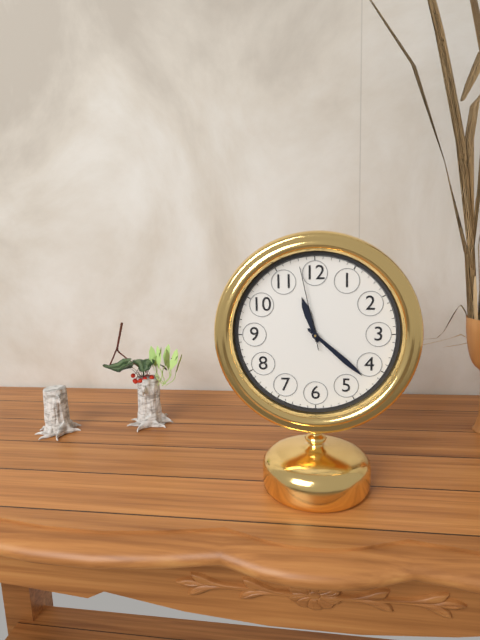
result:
11,22,58
